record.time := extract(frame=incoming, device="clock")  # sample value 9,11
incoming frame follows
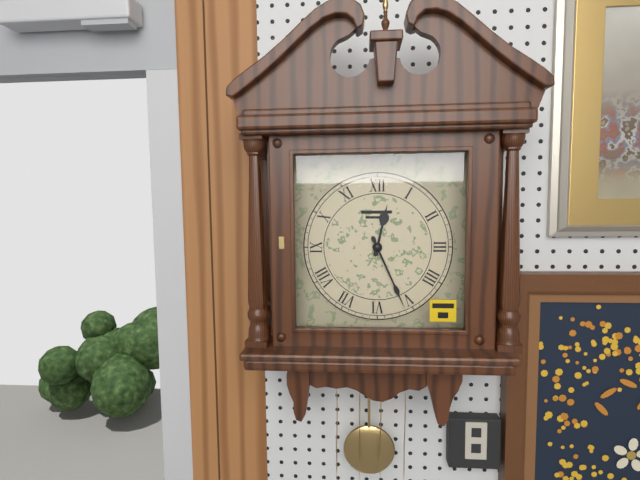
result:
12,26
